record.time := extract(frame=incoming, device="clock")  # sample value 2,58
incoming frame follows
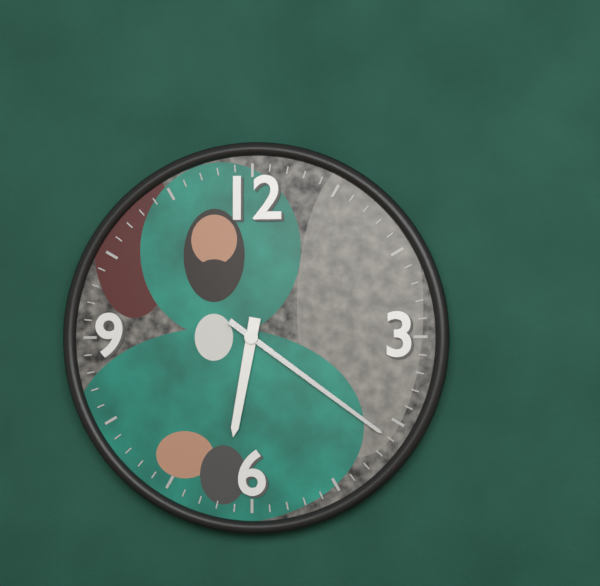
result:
6,21
